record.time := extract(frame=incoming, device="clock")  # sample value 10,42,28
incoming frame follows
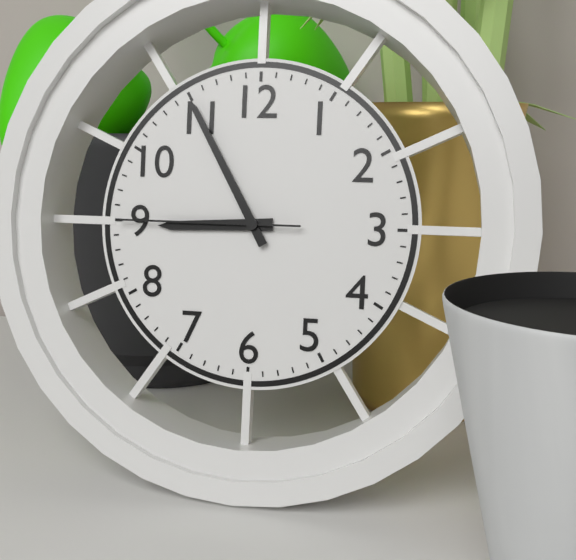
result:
8,55,45
